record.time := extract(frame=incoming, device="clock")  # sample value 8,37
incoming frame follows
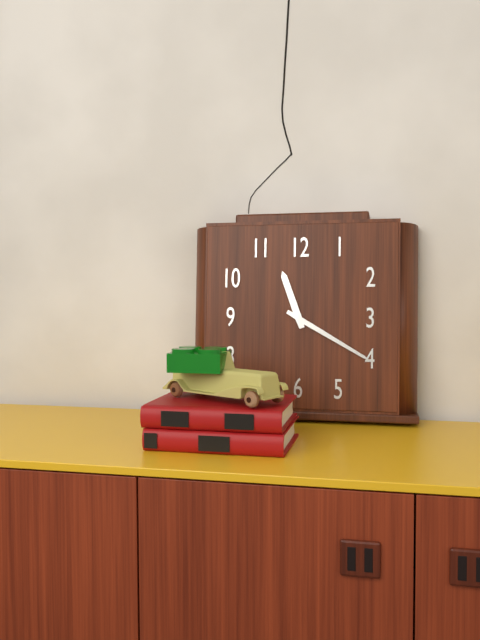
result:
11,20
